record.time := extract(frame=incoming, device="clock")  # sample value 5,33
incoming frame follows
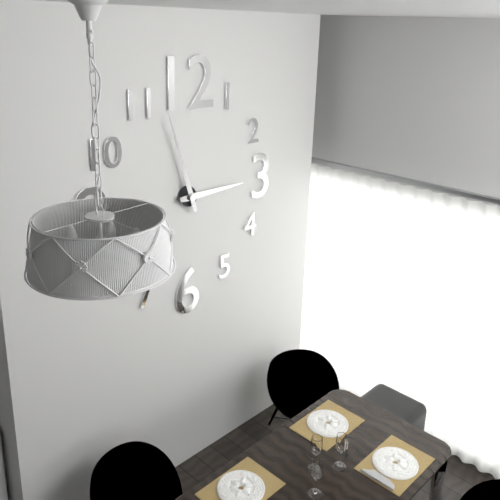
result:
2,57
